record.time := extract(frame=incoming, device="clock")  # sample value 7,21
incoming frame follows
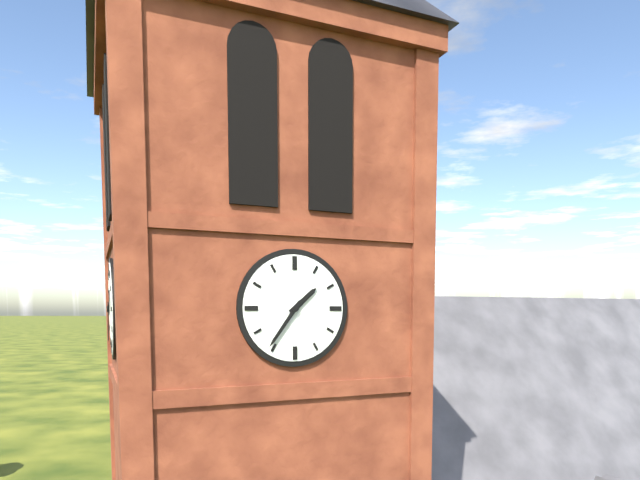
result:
1,36
